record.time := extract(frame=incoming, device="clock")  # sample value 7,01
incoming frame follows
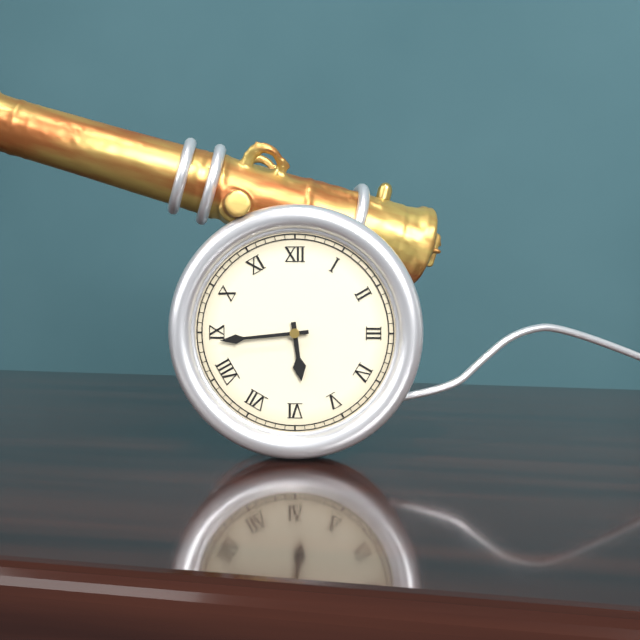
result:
5,44
